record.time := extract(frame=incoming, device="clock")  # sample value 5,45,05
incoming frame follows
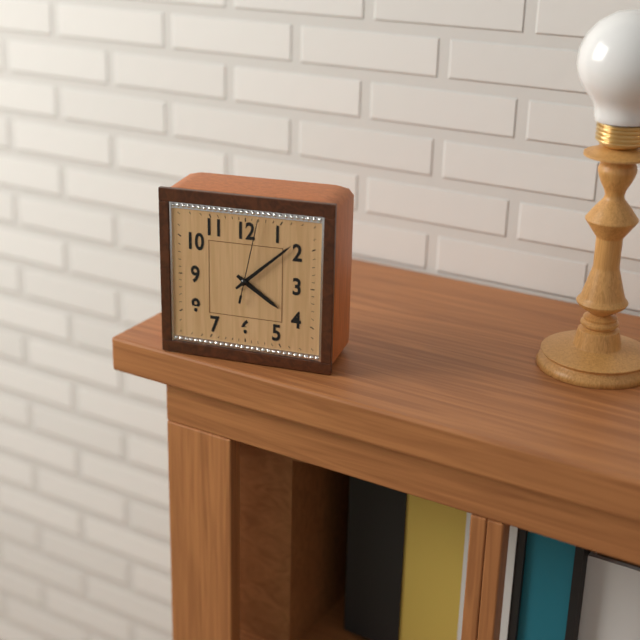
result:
4,08,02
